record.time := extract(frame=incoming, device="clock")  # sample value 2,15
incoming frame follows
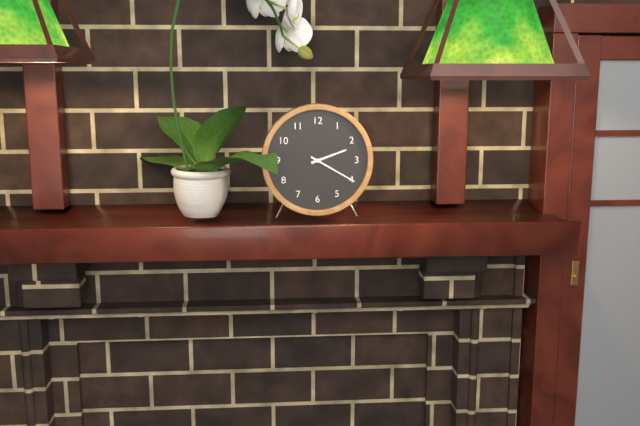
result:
2,20
